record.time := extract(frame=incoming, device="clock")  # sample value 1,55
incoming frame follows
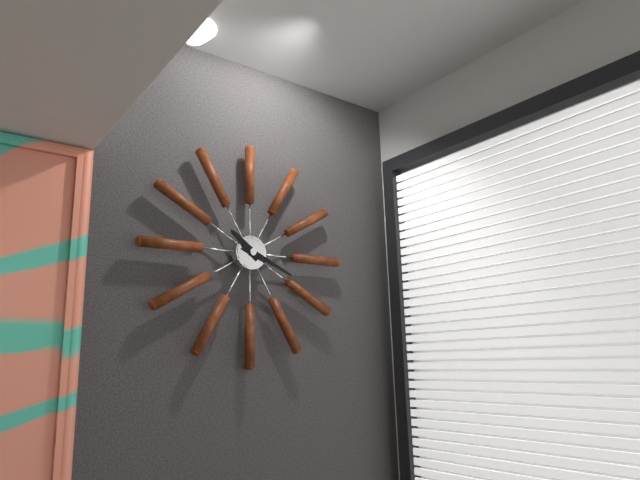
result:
10,19
